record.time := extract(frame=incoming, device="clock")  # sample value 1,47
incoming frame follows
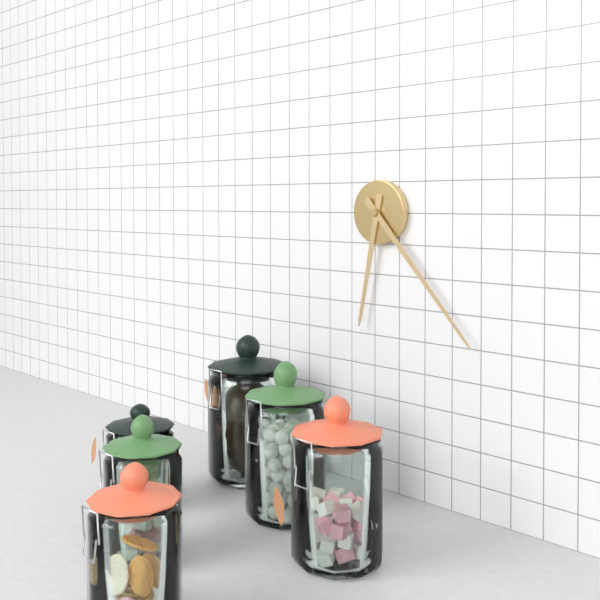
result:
6,23
